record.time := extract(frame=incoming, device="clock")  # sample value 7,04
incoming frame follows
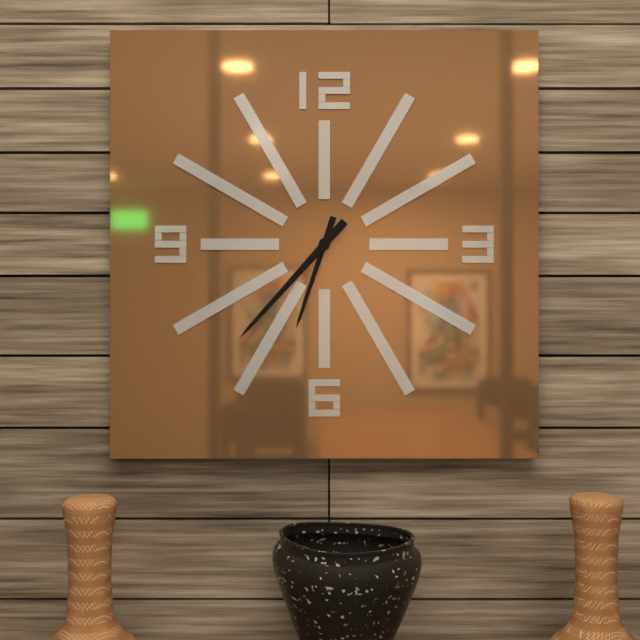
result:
6,37
